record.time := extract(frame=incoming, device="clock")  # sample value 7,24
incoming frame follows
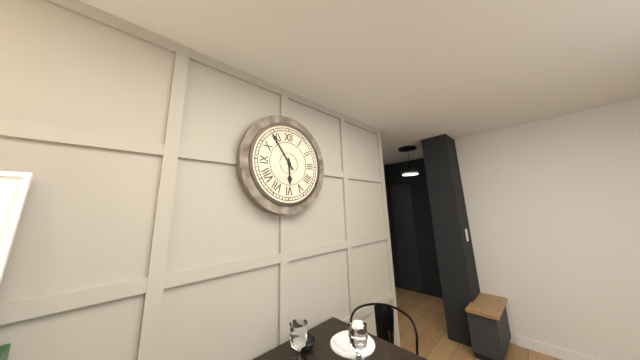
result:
5,54
